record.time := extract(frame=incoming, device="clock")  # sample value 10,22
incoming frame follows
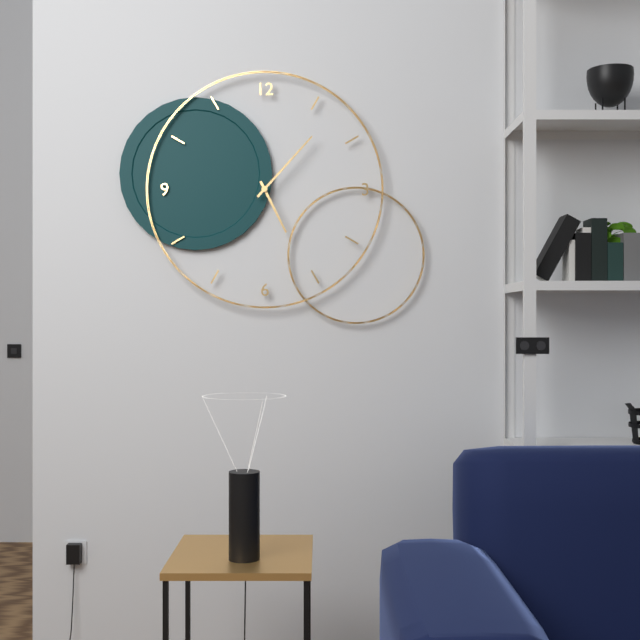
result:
5,07
